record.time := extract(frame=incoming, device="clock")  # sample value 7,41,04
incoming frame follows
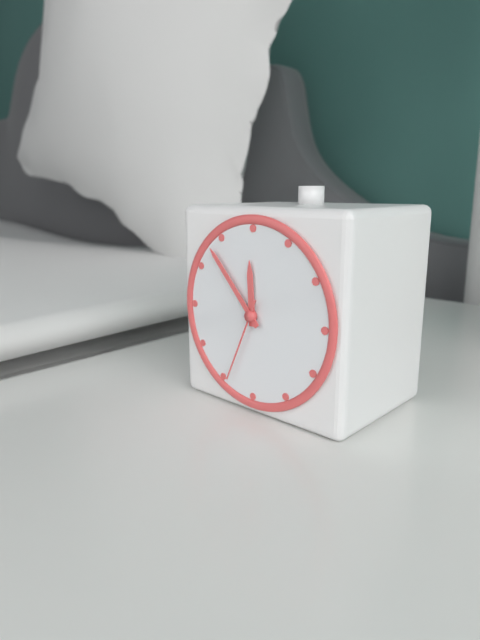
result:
11,53,34
